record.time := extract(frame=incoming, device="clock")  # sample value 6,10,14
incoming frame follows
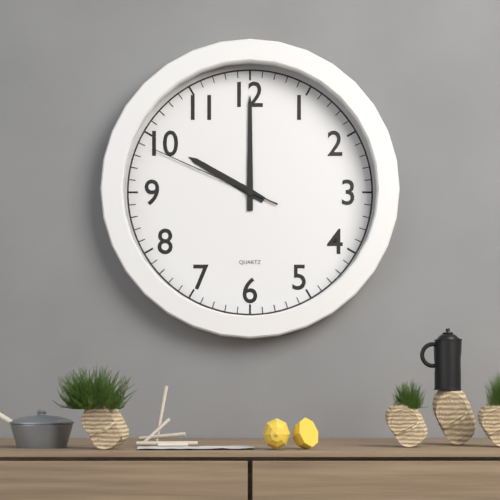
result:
10,00,49
